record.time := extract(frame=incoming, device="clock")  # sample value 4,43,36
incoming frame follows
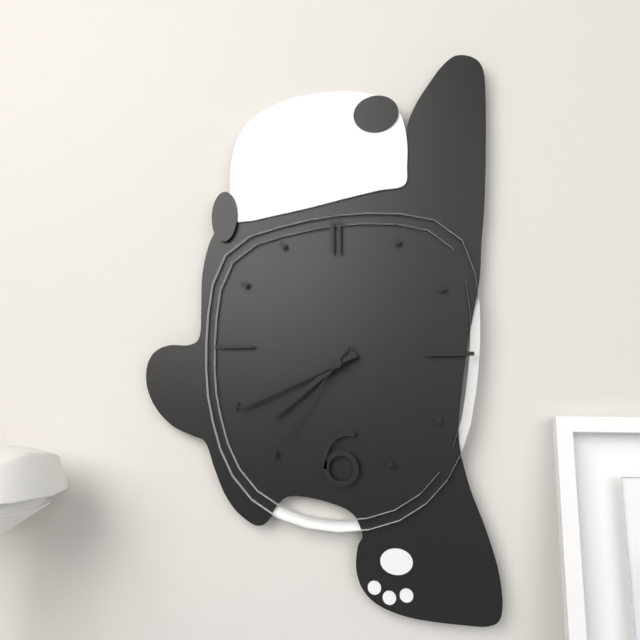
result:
7,41,36
